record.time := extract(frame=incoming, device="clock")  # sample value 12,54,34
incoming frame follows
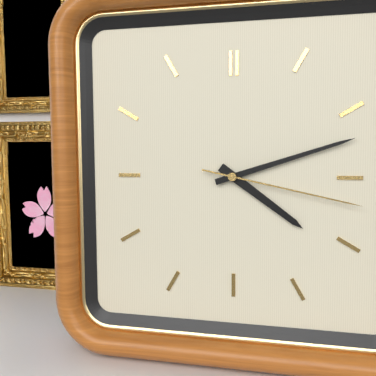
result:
4,12,17
